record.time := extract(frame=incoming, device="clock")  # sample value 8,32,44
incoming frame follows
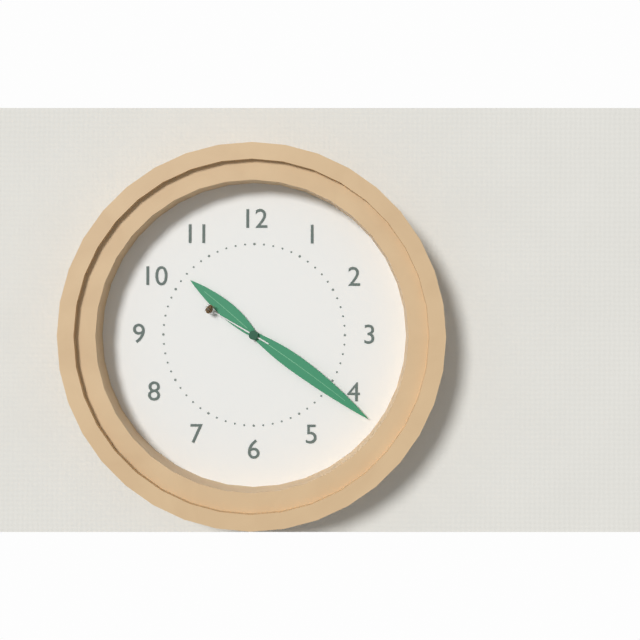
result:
10,21,50
